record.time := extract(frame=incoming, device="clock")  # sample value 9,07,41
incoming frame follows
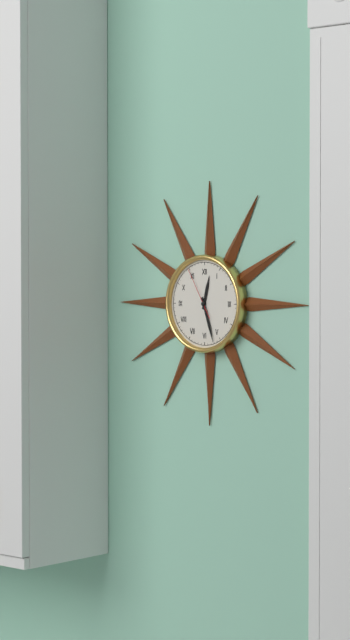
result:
12,27,55
